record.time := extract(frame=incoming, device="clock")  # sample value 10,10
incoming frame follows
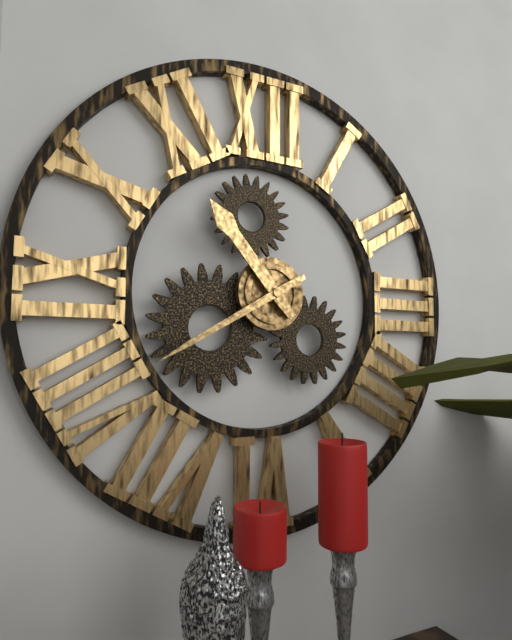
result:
10,40
